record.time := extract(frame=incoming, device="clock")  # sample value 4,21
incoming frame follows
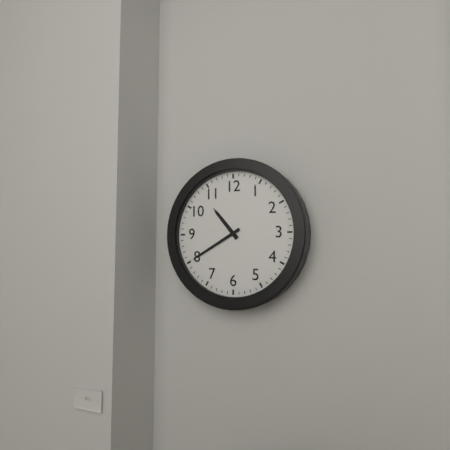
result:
10,40
